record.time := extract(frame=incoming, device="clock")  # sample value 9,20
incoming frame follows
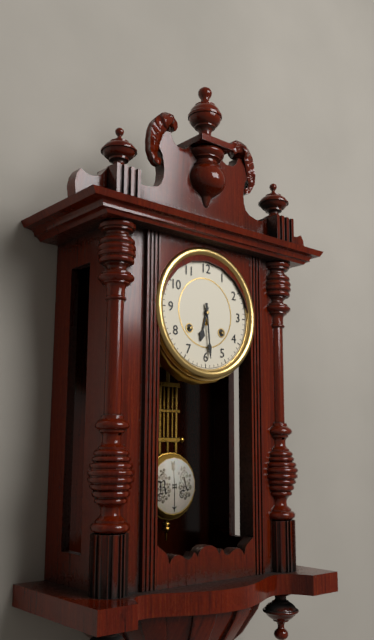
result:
6,29
